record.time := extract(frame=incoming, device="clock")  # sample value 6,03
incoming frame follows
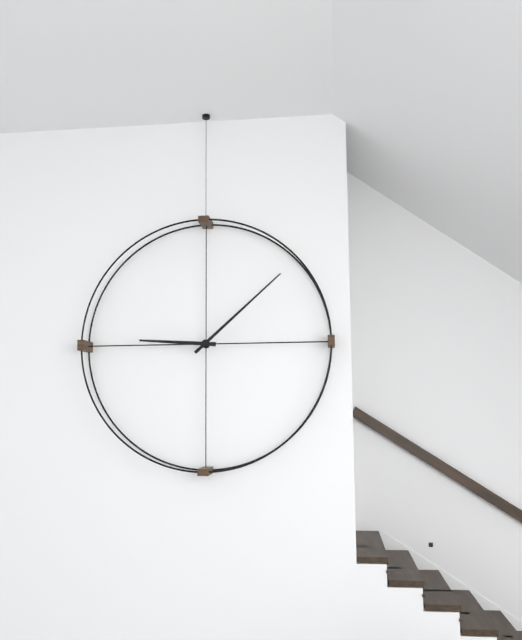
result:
9,08
